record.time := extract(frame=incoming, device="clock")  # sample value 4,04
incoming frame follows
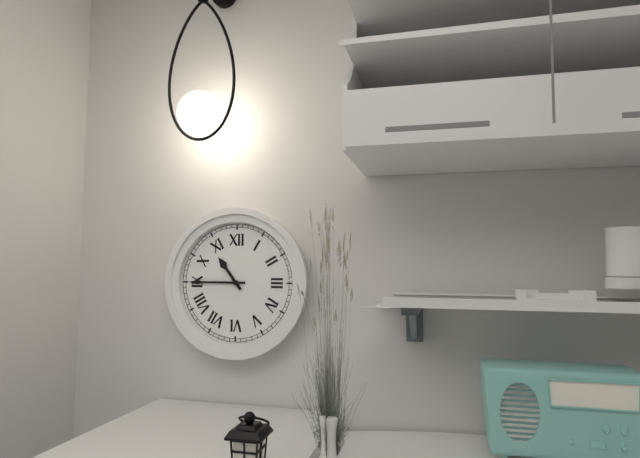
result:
10,45
